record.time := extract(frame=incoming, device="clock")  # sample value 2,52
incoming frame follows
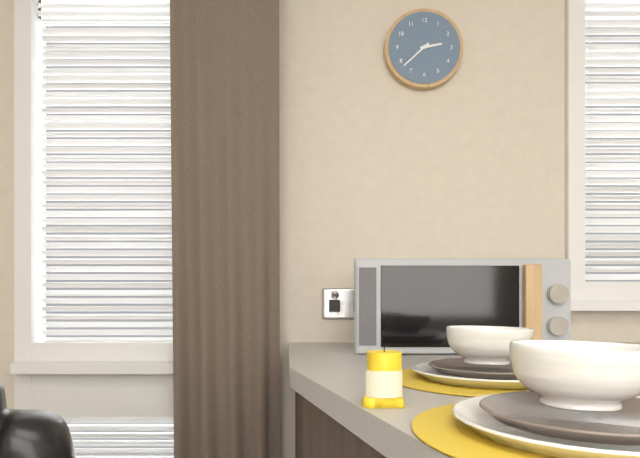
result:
2,38
